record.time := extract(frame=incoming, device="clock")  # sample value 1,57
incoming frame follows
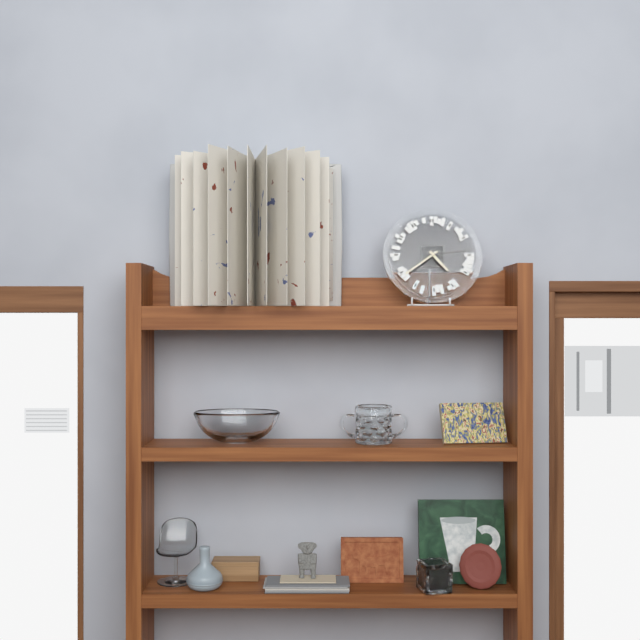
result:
4,39
